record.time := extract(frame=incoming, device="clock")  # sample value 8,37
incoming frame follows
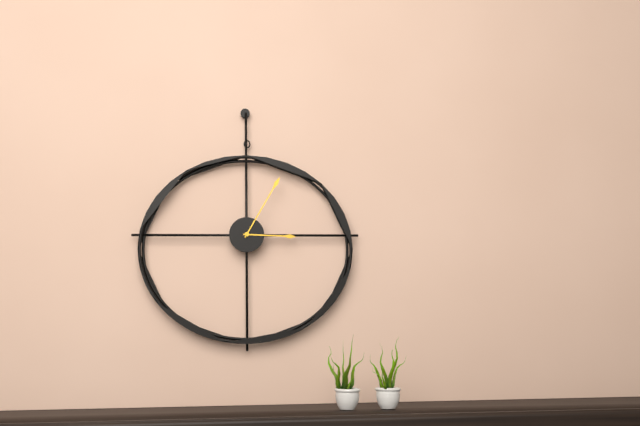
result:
3,05
